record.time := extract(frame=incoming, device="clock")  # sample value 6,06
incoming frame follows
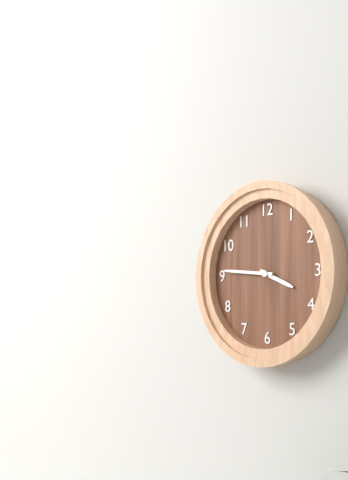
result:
3,46
